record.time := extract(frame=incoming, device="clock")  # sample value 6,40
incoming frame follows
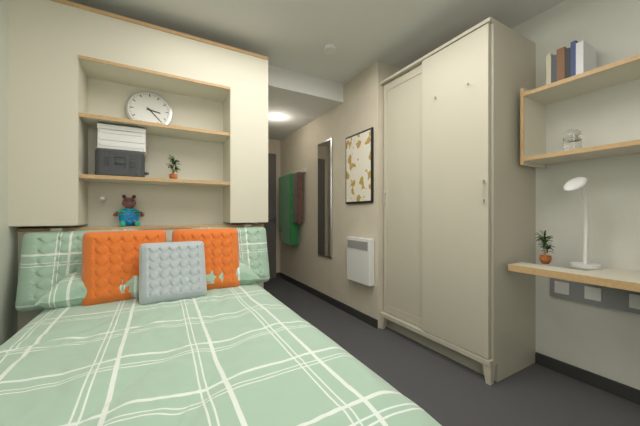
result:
3,23
